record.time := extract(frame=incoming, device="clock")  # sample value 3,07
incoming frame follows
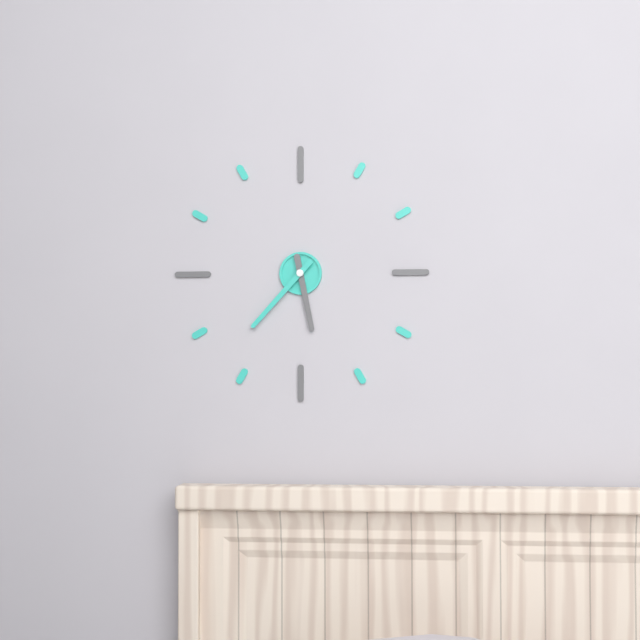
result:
5,37
